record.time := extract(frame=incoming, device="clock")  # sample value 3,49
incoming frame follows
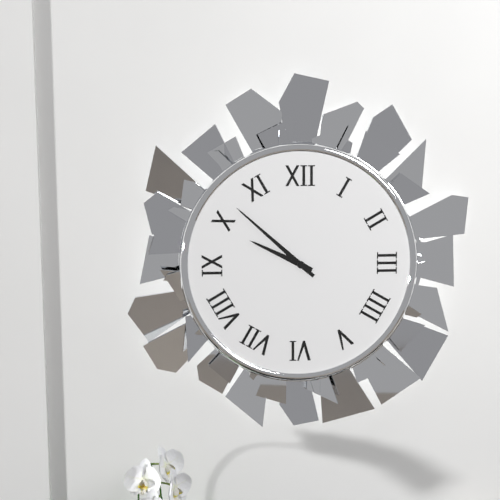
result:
9,52
